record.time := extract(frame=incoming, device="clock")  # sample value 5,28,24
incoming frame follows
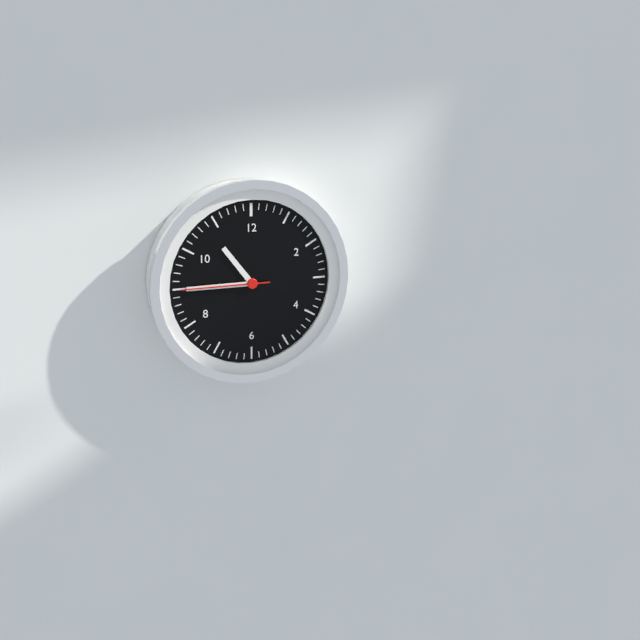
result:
10,45,45
